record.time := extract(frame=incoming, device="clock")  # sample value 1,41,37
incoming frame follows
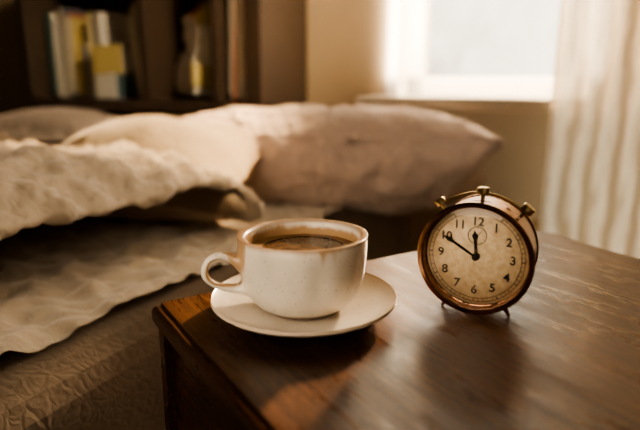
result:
11,50,30
